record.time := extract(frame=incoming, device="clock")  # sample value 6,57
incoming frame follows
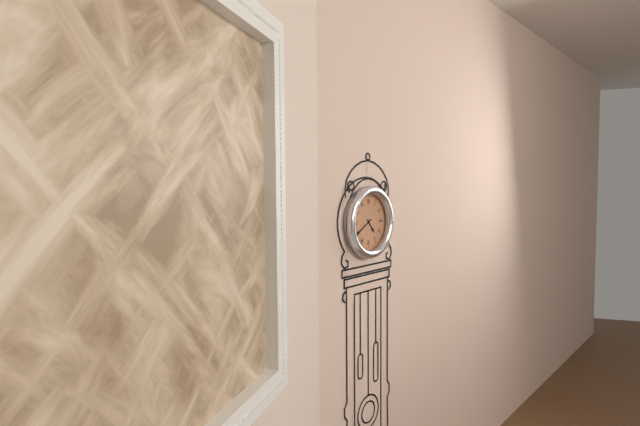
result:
4,40
